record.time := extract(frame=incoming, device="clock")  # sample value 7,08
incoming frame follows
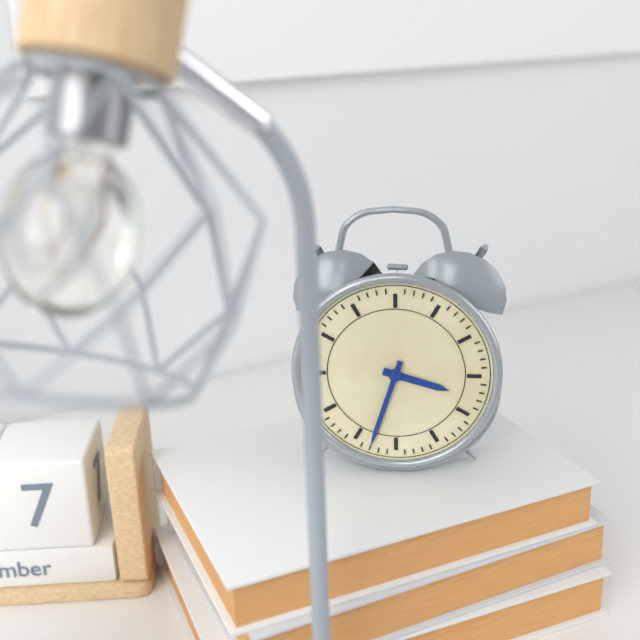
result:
3,33
